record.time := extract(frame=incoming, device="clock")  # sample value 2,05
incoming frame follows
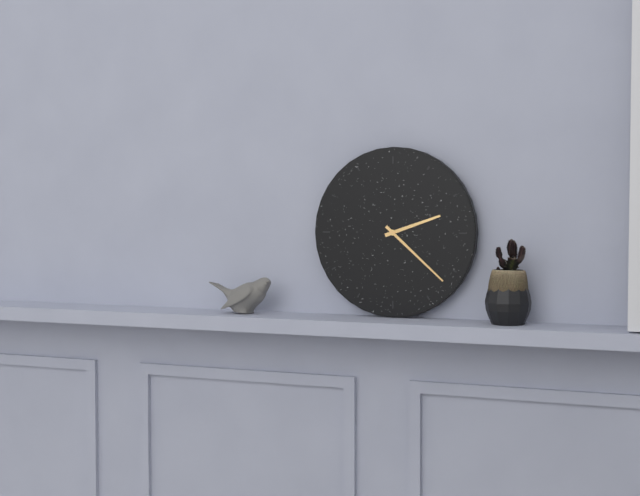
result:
2,22
